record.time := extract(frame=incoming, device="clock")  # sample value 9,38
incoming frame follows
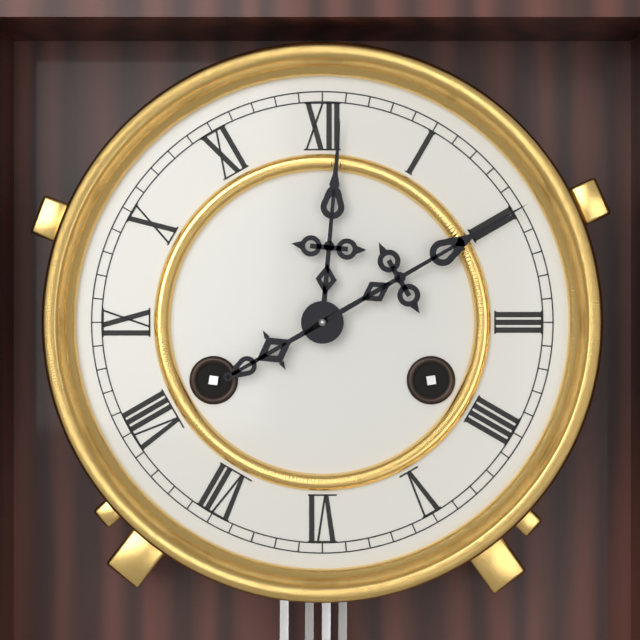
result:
12,10
